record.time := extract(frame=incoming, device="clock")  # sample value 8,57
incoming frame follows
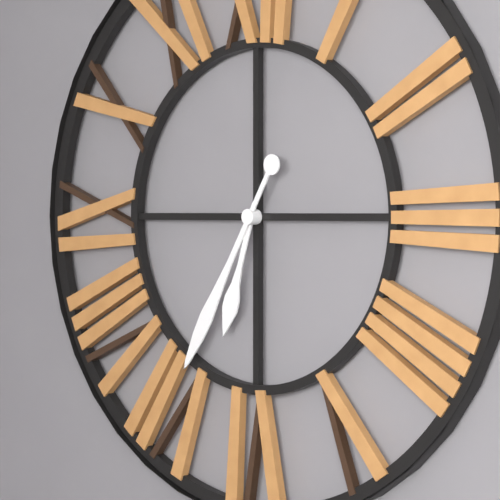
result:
6,35
